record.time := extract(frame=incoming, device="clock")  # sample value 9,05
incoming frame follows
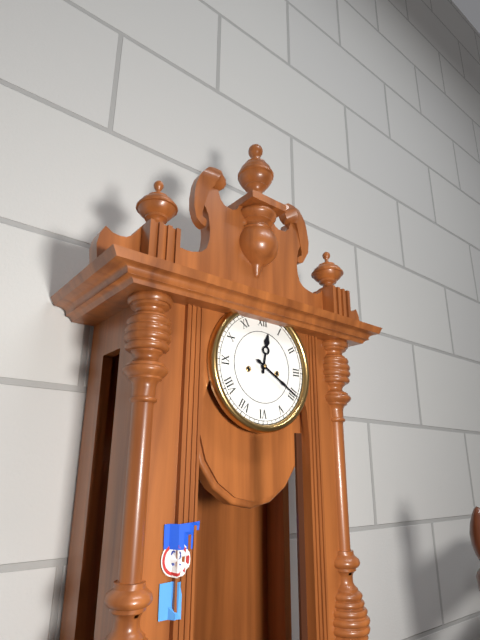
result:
12,20
